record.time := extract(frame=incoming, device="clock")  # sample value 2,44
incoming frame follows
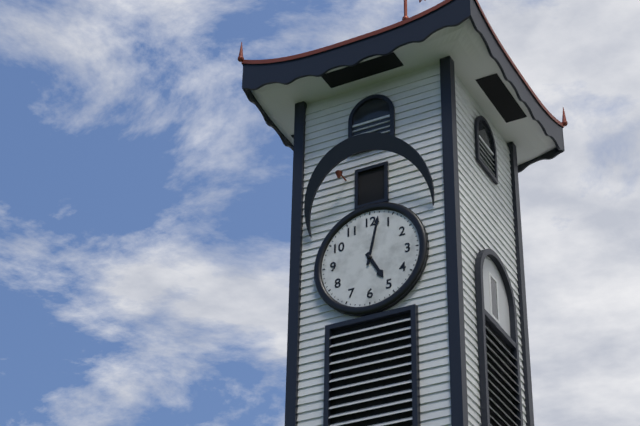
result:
5,02
